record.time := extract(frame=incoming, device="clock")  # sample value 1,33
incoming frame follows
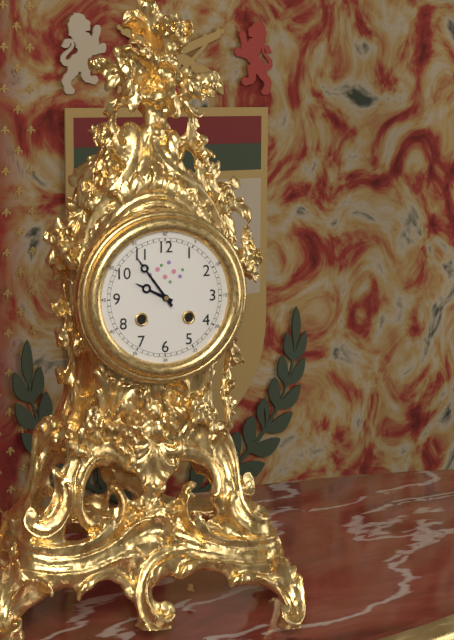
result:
9,54
